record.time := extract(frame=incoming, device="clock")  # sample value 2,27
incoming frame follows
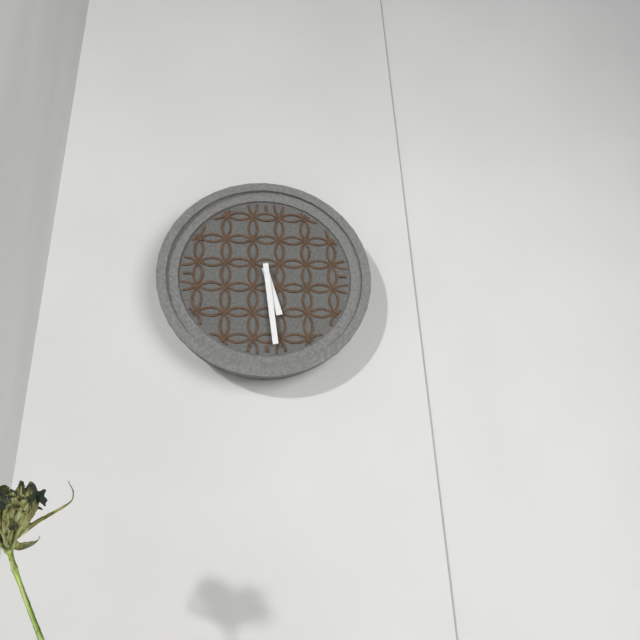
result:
5,29
